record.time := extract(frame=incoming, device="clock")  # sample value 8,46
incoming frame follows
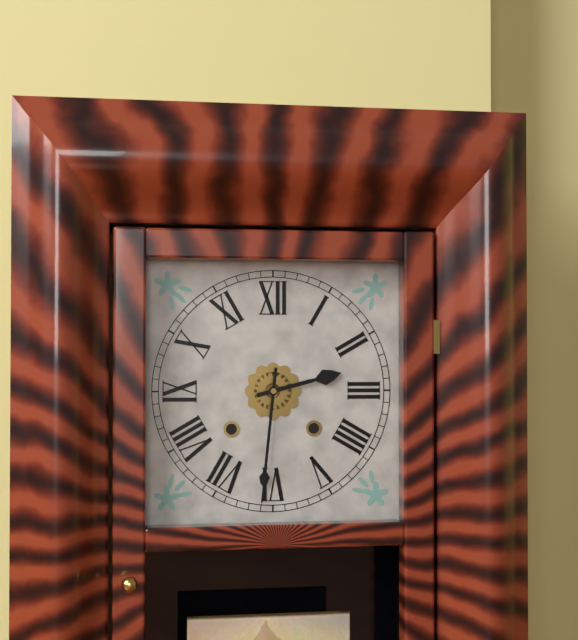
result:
2,31
